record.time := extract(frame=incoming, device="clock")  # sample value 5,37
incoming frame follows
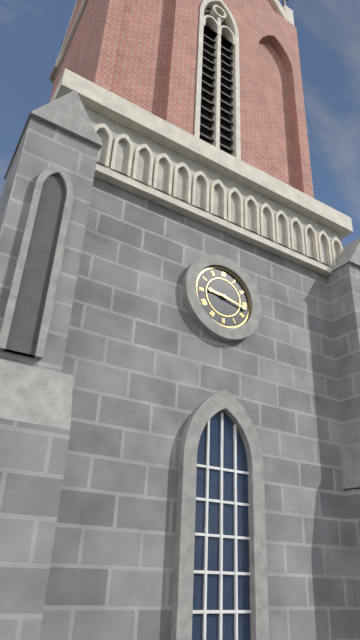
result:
9,17
